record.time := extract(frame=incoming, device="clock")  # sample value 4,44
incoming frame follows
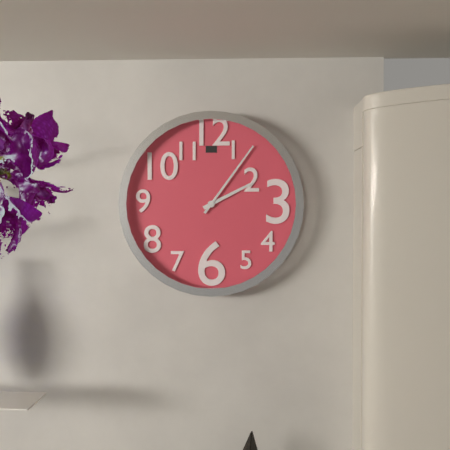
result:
2,06
